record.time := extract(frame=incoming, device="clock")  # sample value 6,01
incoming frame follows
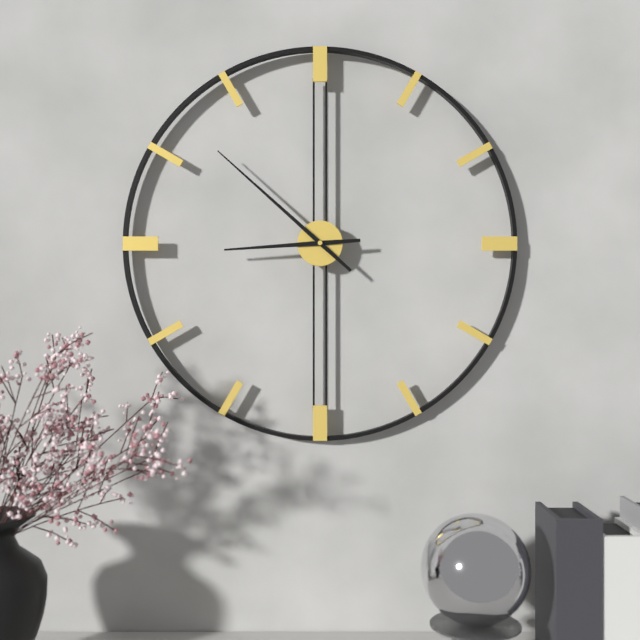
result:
8,52
